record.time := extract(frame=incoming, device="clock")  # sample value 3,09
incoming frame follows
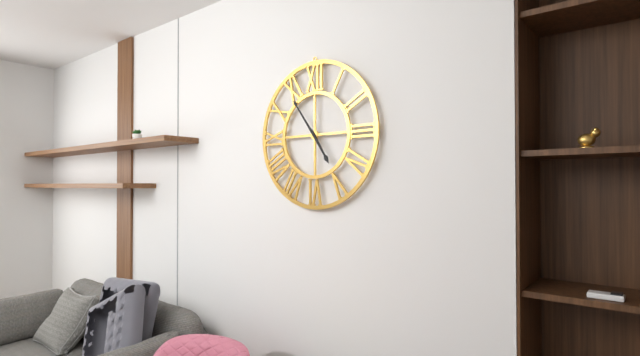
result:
4,54
